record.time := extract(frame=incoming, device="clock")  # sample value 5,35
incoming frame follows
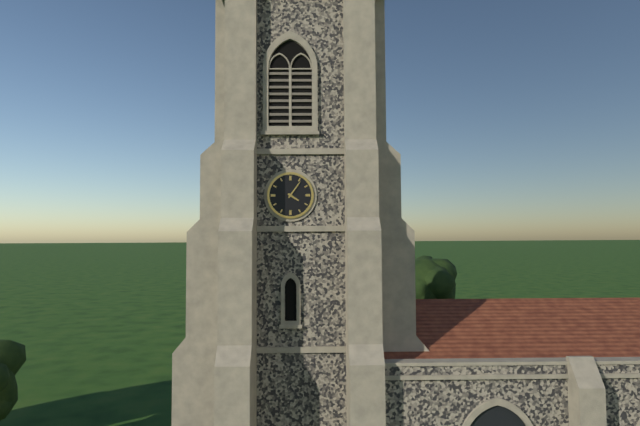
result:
4,06
